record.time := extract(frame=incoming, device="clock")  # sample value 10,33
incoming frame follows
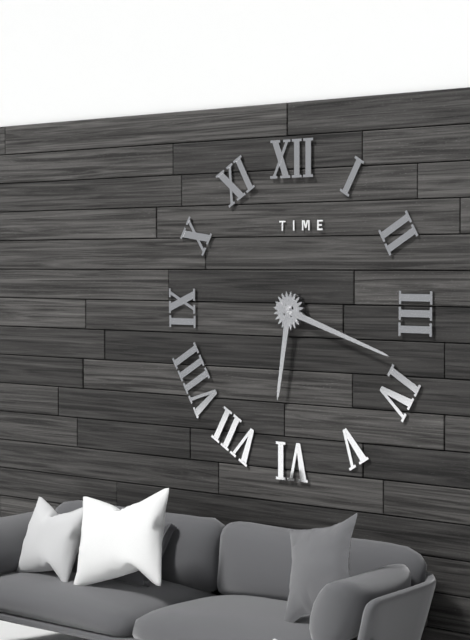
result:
6,18
